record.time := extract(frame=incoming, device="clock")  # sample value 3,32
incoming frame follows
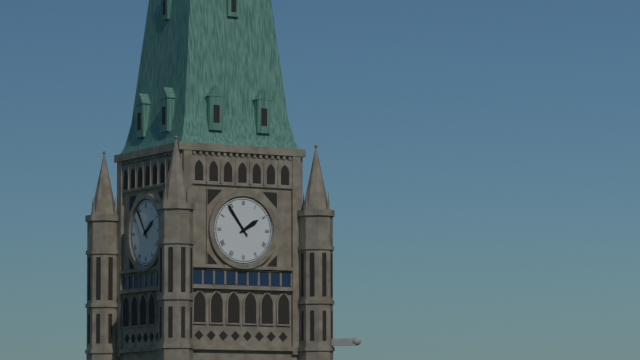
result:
1,54
